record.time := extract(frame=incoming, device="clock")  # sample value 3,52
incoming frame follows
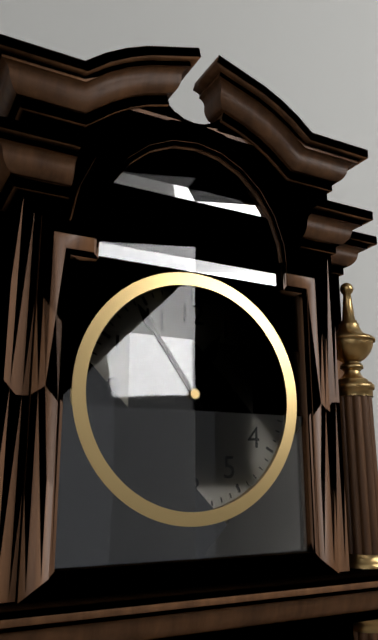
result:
12,54
